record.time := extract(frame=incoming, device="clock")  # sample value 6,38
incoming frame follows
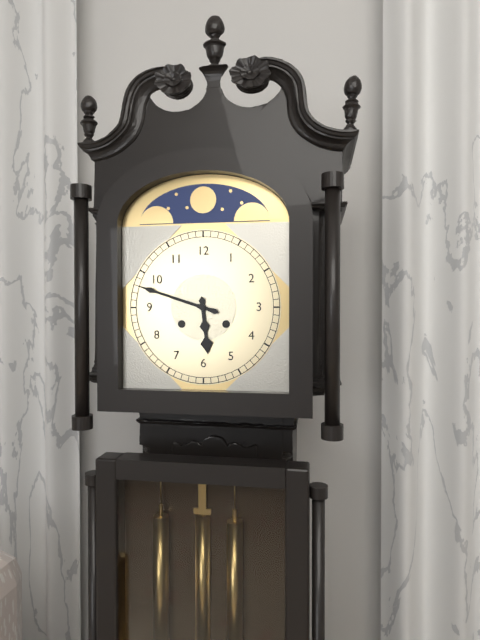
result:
5,48
